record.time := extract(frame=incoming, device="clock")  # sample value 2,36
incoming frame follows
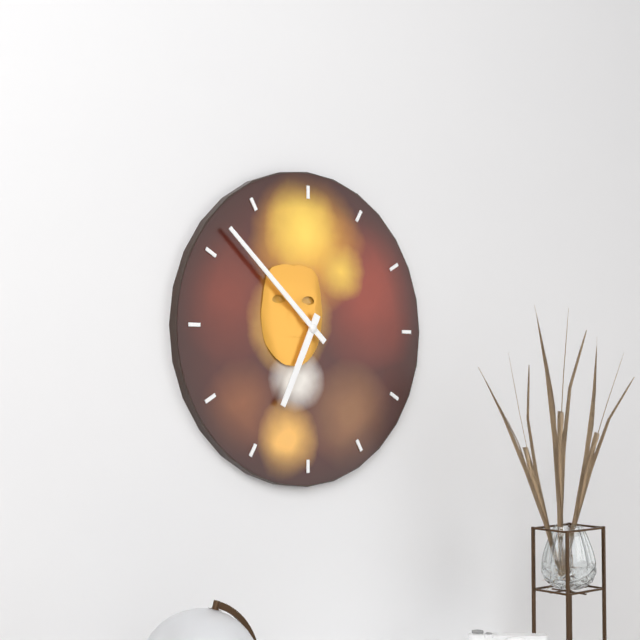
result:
6,52
